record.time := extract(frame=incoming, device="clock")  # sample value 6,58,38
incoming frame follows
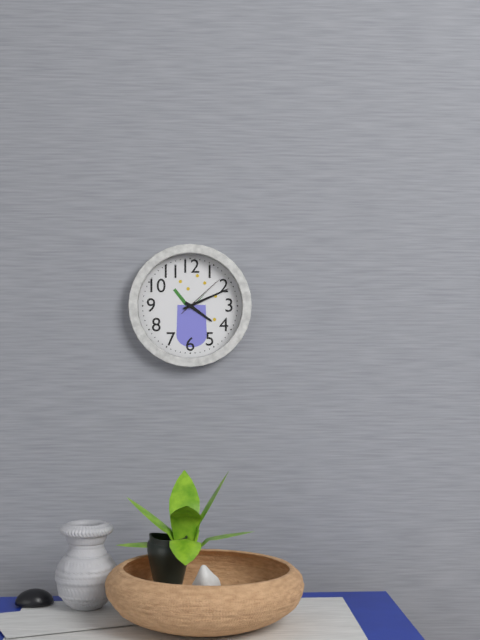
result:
4,11,08
